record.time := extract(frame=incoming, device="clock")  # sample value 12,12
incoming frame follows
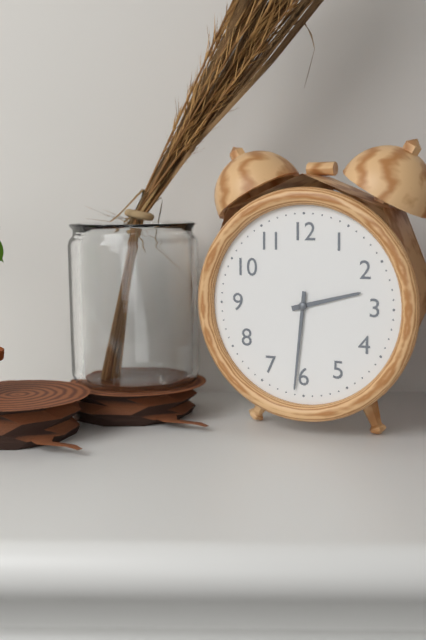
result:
2,31
